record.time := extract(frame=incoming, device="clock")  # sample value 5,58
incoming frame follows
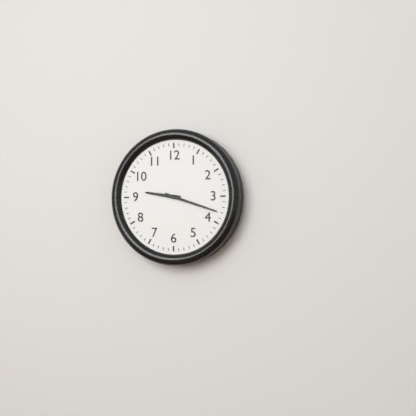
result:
9,18
